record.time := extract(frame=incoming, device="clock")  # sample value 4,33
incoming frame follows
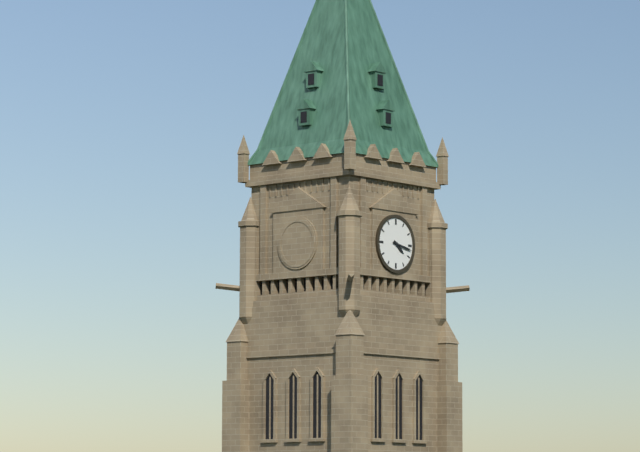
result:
4,17
